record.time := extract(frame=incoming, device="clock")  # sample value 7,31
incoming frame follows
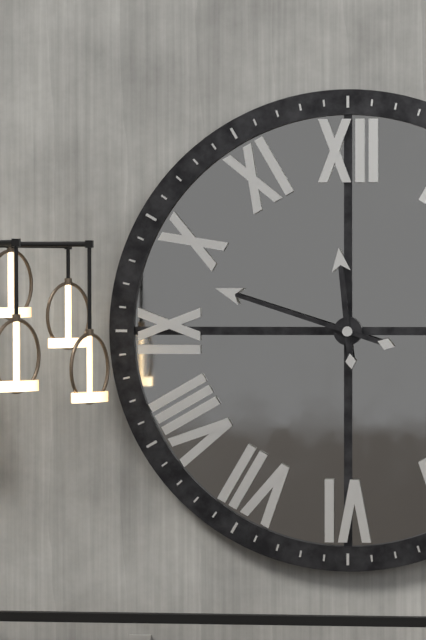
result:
11,48
